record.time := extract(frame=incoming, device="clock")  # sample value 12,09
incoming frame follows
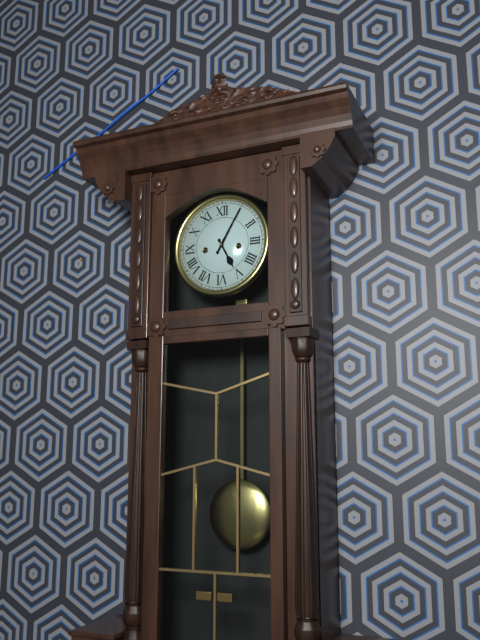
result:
5,05
